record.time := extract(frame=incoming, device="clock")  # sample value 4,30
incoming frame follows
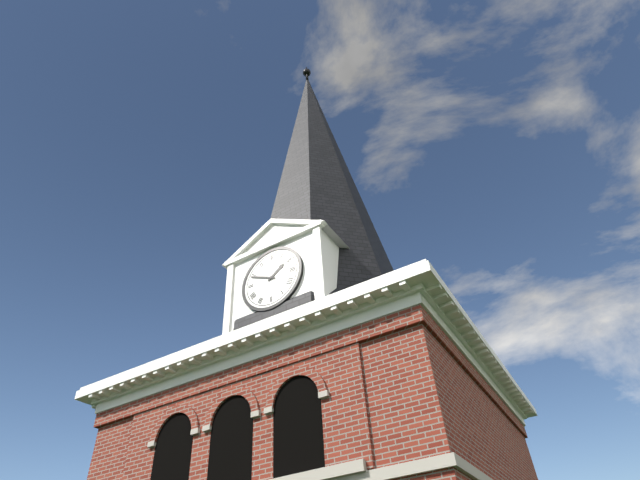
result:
1,49
